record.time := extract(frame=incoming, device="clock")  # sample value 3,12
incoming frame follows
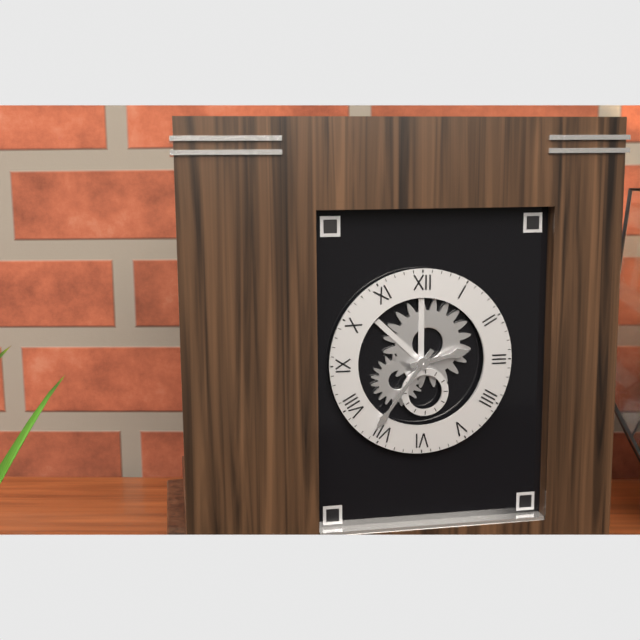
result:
2,36
